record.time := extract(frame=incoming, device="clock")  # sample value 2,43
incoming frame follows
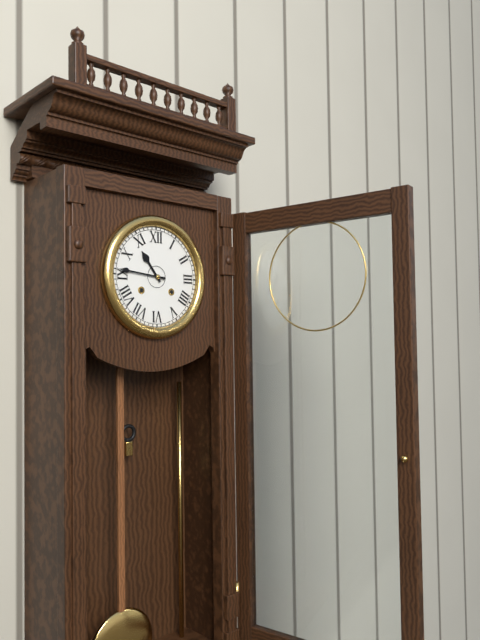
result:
10,46
